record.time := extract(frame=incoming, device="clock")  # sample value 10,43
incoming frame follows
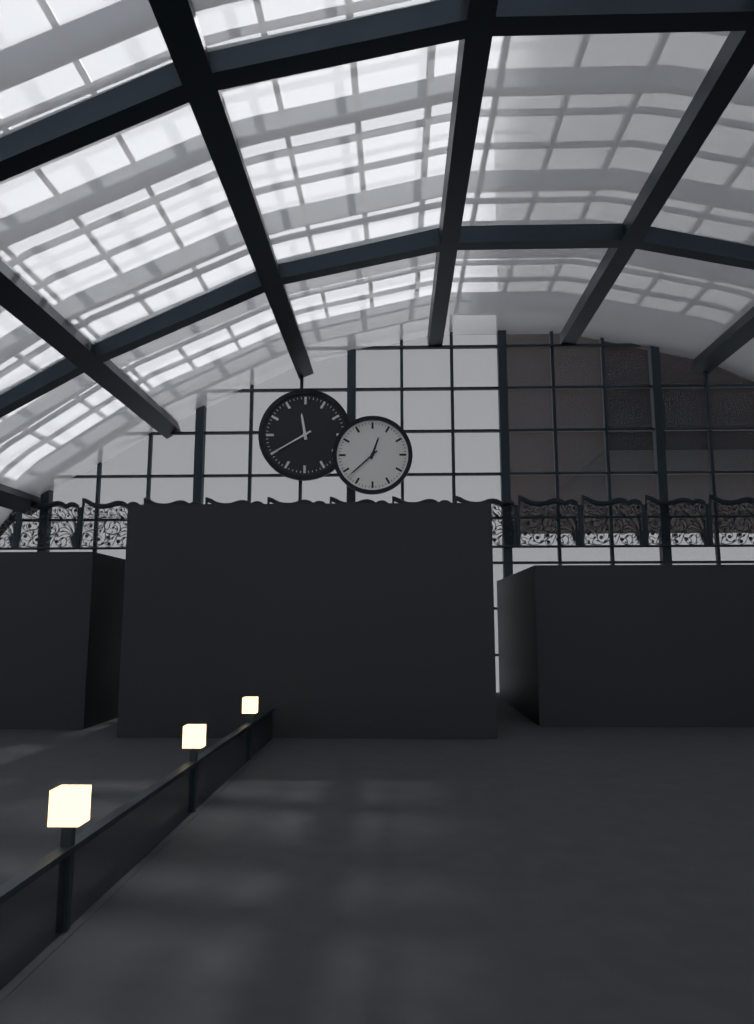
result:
12,38
